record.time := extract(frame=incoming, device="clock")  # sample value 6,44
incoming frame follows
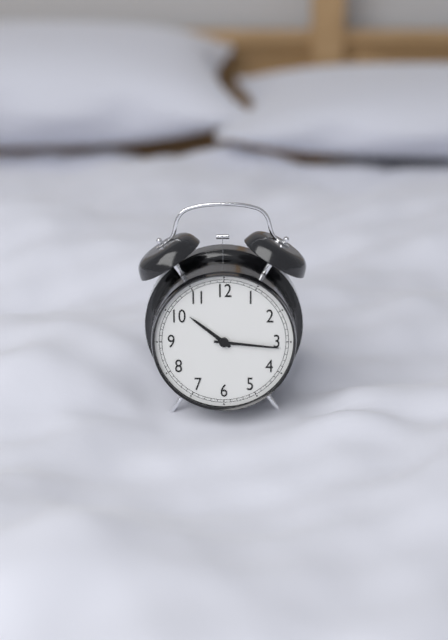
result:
10,16
